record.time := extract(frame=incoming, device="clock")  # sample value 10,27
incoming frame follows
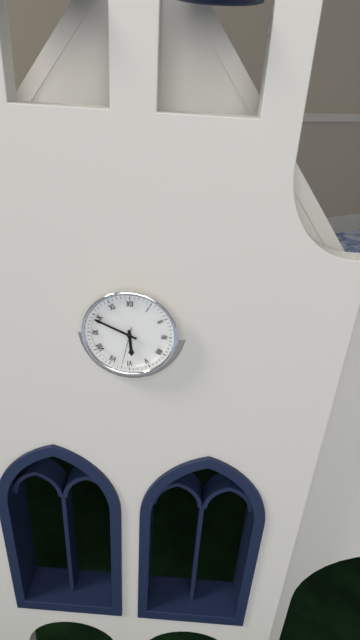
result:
5,49
